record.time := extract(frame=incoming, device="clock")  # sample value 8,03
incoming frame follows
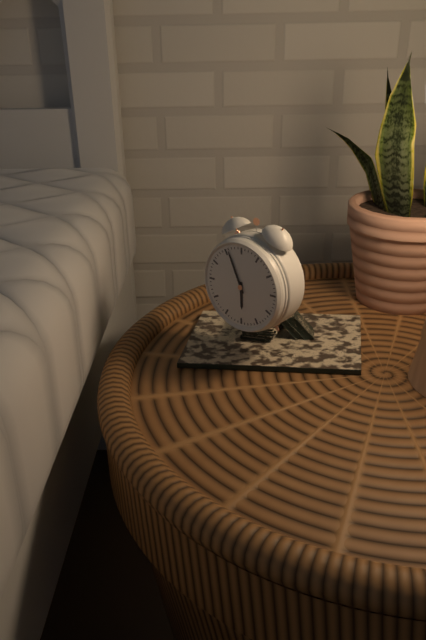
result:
5,56
